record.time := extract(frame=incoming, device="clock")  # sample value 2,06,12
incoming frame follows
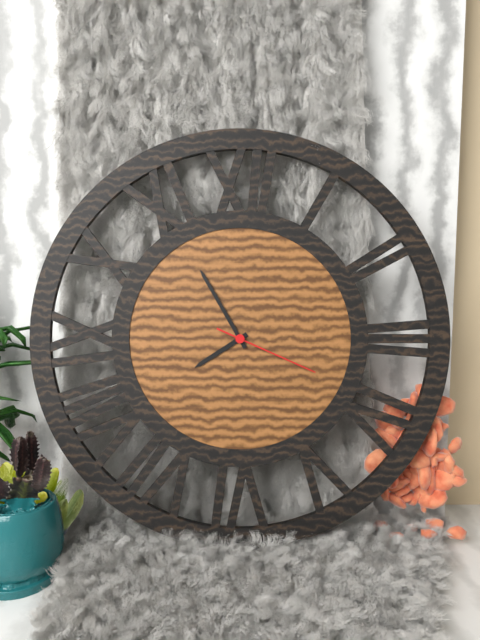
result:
7,55,19
